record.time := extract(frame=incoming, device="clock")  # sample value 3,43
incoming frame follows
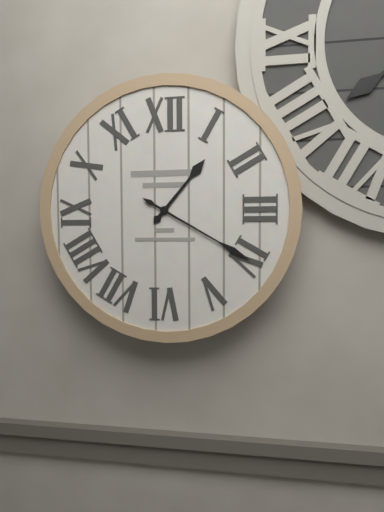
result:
1,20
